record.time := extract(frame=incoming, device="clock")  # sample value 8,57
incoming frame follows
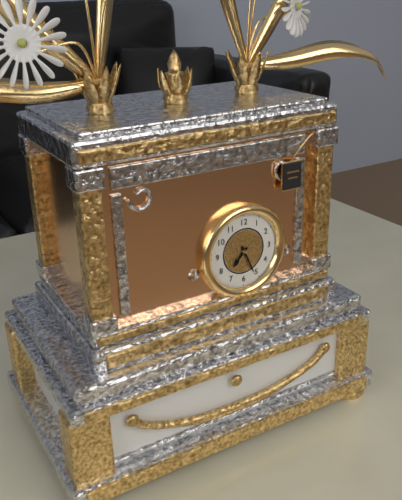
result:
7,26
